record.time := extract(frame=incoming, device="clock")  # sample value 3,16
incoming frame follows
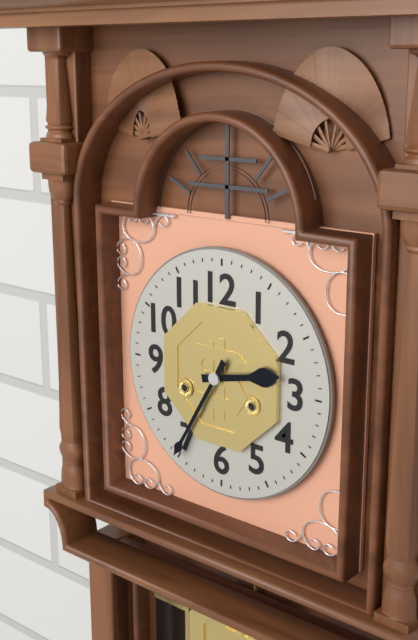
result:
2,35
